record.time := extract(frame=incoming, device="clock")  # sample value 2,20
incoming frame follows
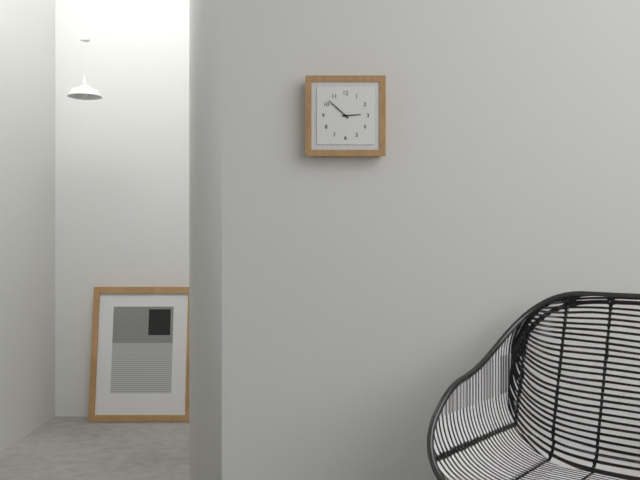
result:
2,52
